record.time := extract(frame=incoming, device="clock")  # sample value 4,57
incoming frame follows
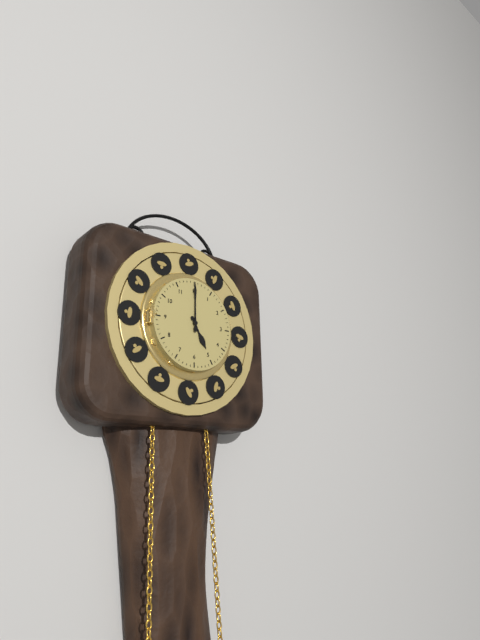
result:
5,00
